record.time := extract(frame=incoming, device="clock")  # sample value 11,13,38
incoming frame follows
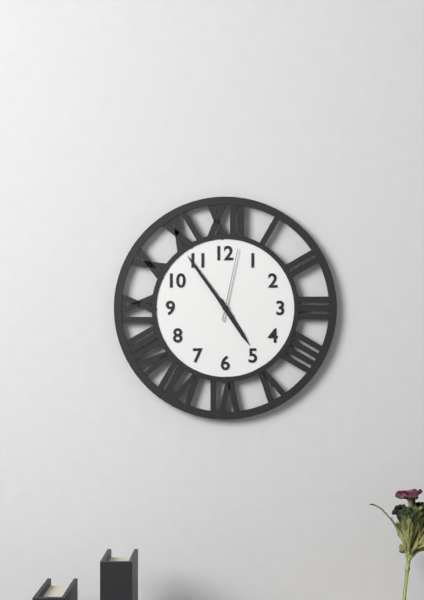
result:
4,54,02
